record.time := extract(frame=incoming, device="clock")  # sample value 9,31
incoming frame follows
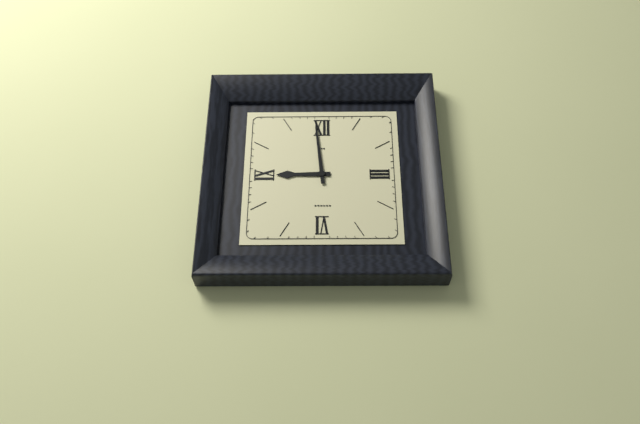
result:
8,59
